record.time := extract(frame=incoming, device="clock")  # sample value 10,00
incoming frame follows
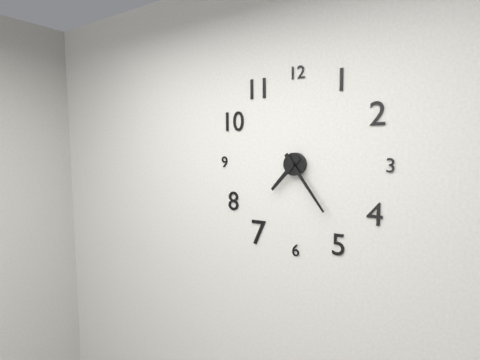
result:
7,24
